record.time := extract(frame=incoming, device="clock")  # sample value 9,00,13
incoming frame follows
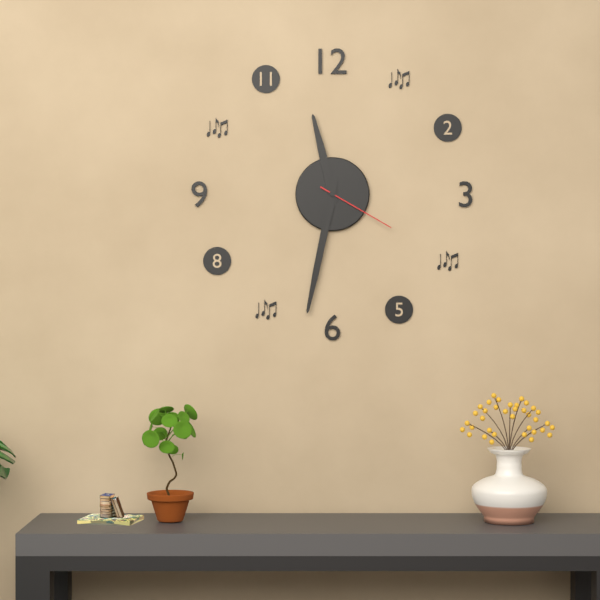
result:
11,32,20
